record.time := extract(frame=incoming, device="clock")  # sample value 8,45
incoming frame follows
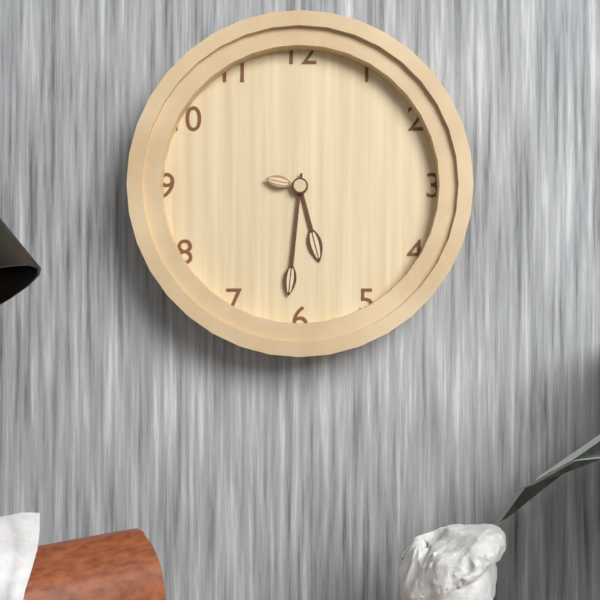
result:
5,31
